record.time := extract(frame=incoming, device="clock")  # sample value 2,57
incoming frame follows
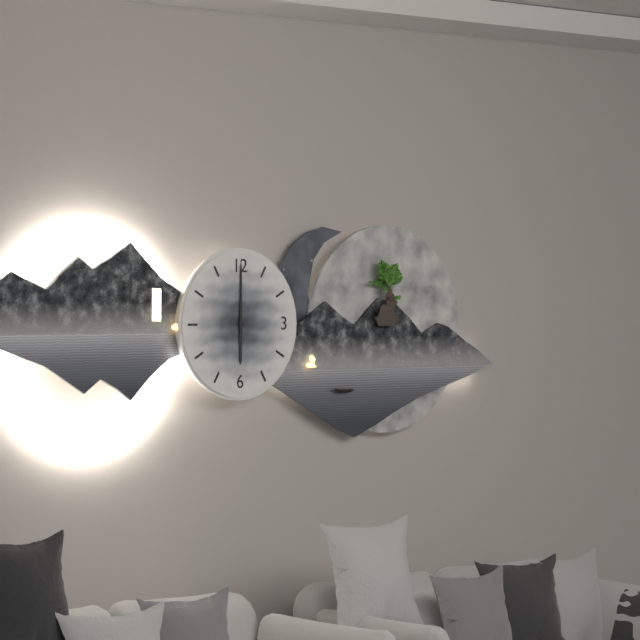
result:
6,00
